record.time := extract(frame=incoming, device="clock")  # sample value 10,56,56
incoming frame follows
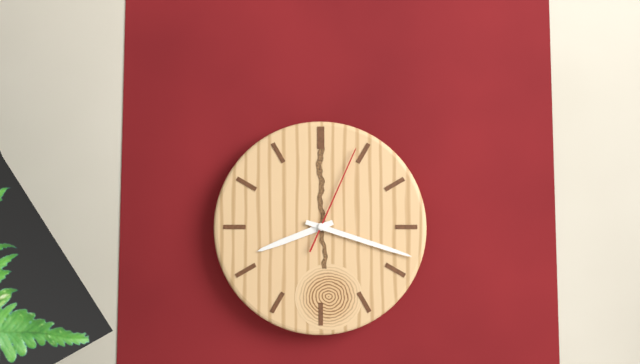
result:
8,18,04
